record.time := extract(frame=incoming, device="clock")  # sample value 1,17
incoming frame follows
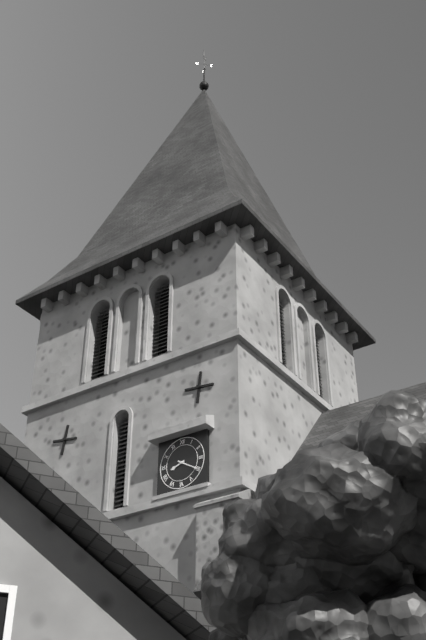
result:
8,20
